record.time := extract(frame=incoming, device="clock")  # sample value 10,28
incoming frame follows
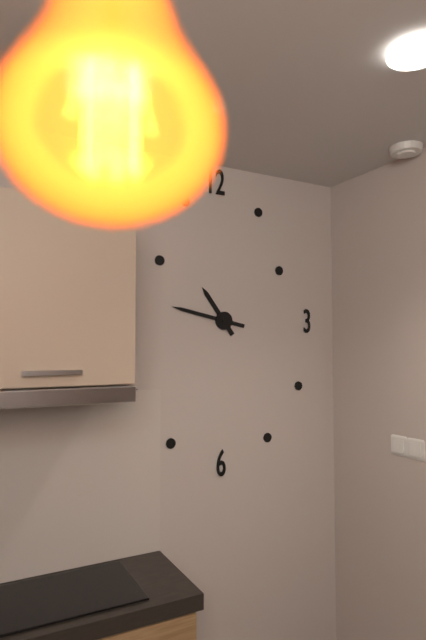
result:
10,47
